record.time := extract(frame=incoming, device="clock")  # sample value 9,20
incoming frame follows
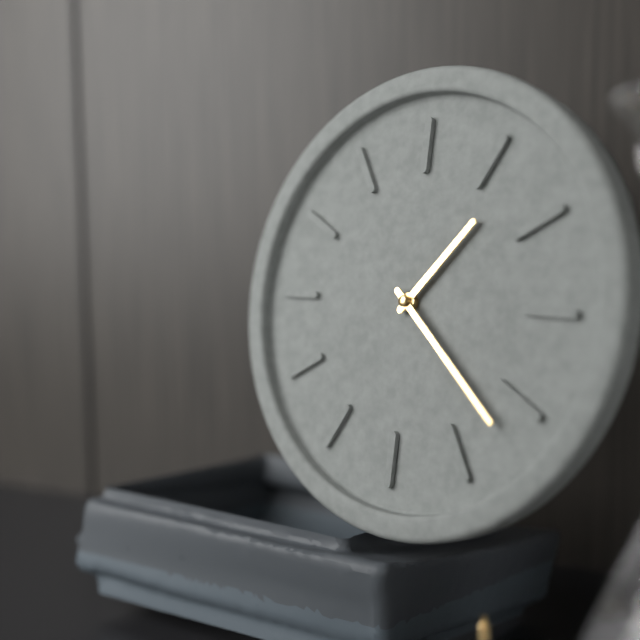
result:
1,22
